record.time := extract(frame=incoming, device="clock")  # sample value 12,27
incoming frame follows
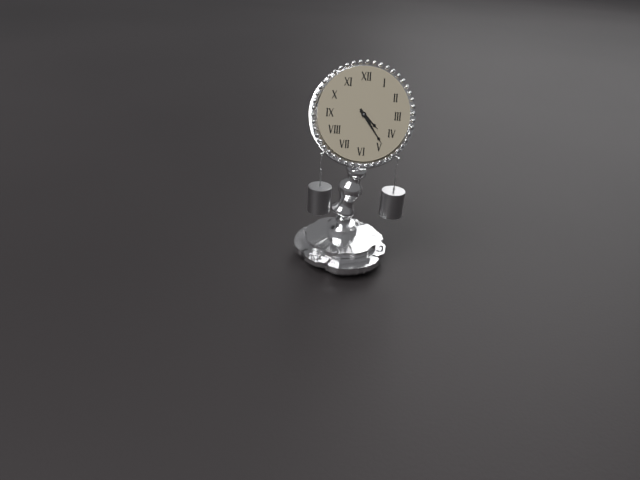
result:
4,24
